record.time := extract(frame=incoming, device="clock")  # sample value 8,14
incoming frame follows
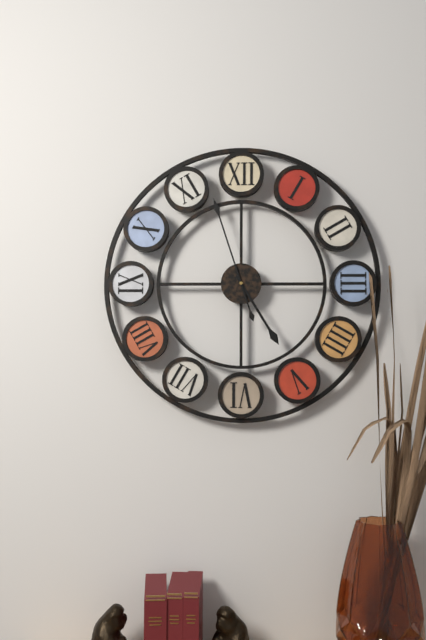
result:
4,57
